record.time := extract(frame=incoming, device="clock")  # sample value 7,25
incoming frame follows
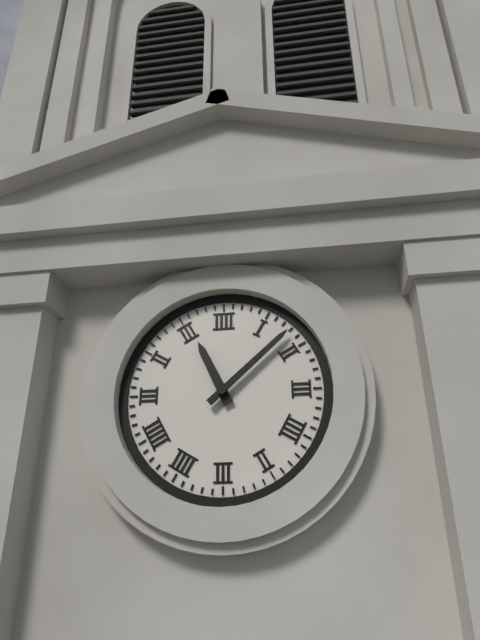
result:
11,08
